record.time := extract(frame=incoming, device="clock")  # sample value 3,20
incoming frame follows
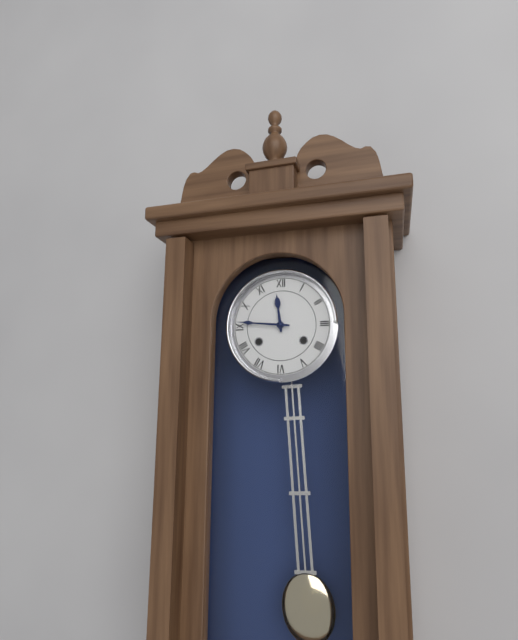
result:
11,46
